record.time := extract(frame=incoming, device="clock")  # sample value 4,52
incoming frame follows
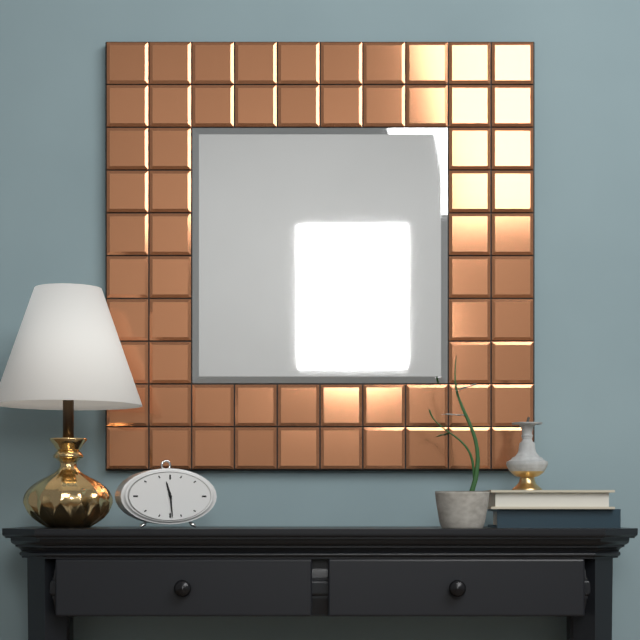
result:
11,29
